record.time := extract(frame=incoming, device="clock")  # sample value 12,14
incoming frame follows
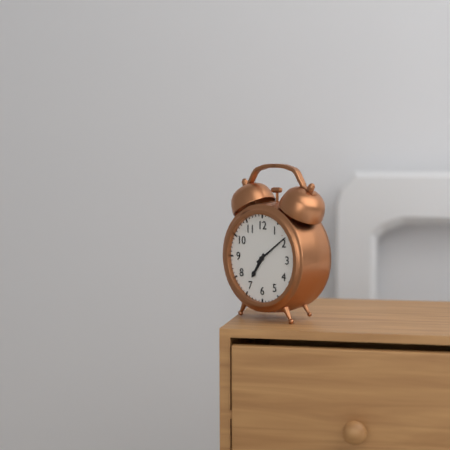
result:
7,09
